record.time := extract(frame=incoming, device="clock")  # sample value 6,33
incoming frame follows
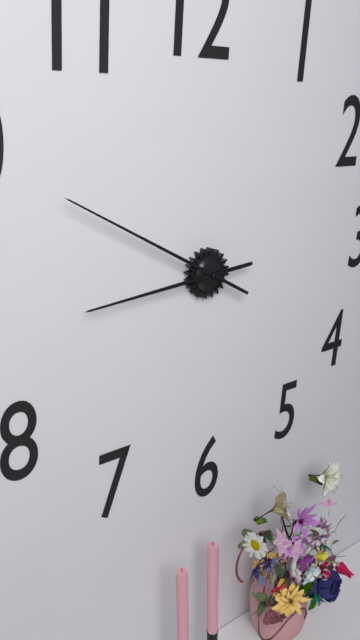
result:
8,50
